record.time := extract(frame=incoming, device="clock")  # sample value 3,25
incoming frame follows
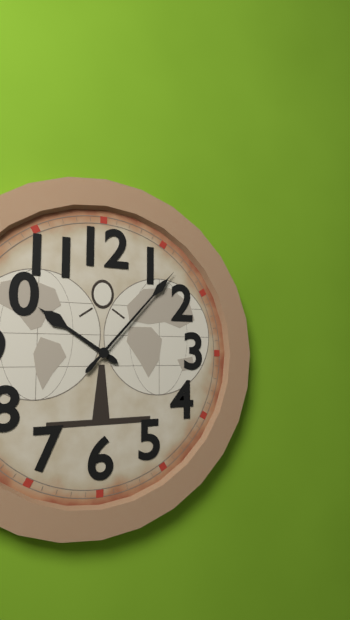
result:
10,07
